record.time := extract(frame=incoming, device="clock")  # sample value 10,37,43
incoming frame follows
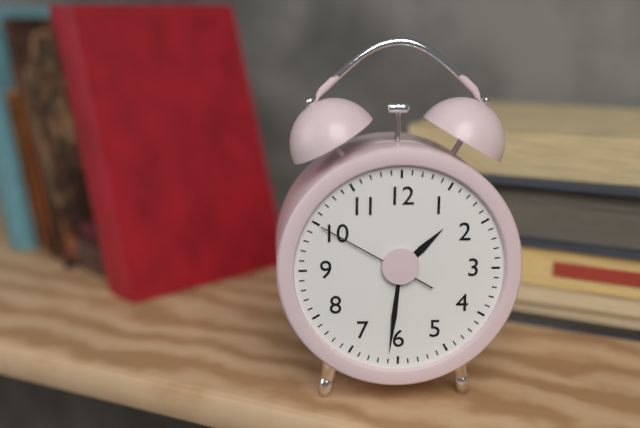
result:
1,31,50
